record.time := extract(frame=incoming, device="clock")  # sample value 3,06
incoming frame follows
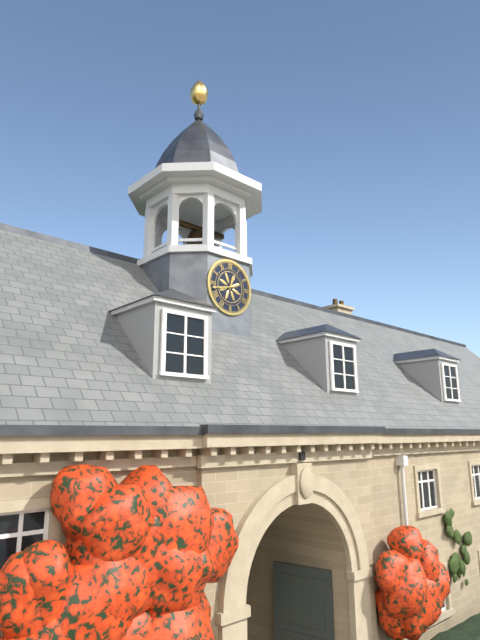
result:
12,43
